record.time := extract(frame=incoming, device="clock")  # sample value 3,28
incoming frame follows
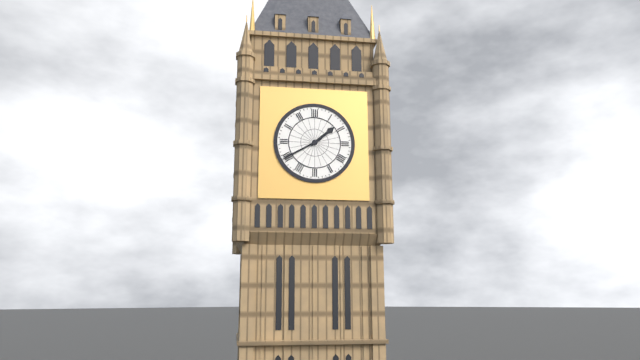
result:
1,40
